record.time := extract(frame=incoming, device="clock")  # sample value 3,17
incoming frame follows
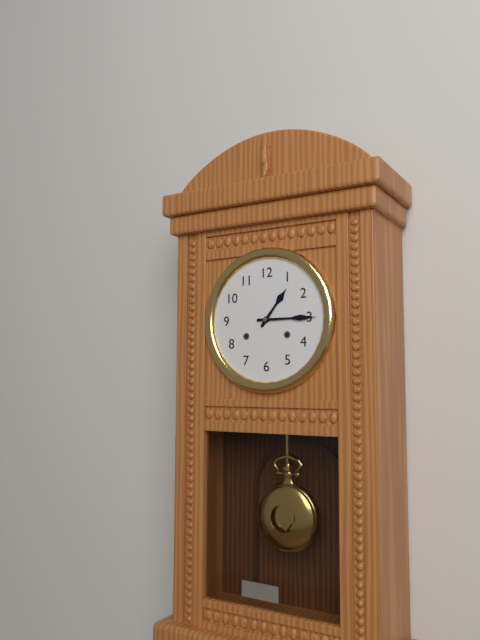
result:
1,15
